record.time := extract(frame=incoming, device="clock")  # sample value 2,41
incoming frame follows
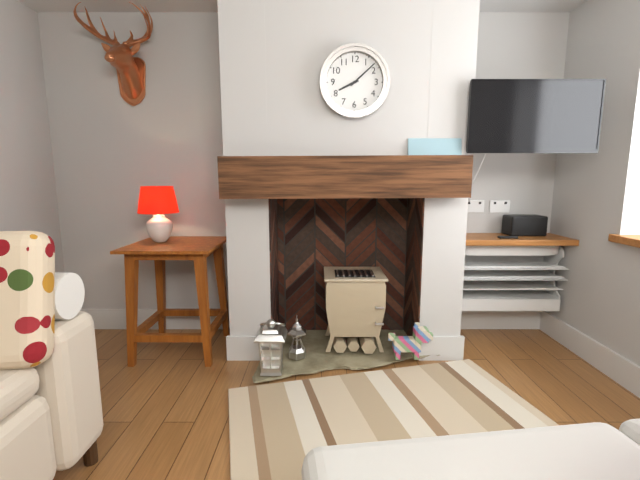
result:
8,08
